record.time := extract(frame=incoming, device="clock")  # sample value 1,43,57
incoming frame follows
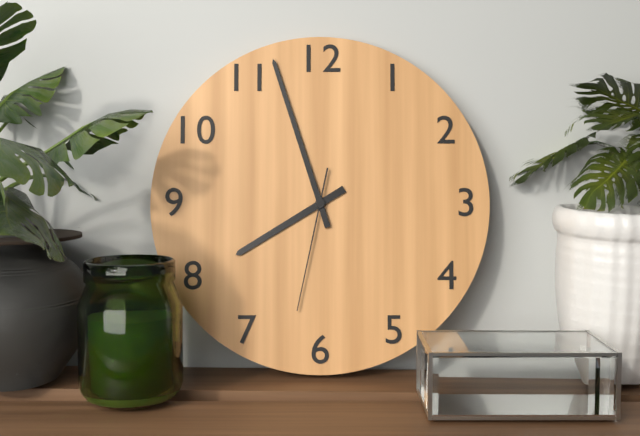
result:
7,57,32
